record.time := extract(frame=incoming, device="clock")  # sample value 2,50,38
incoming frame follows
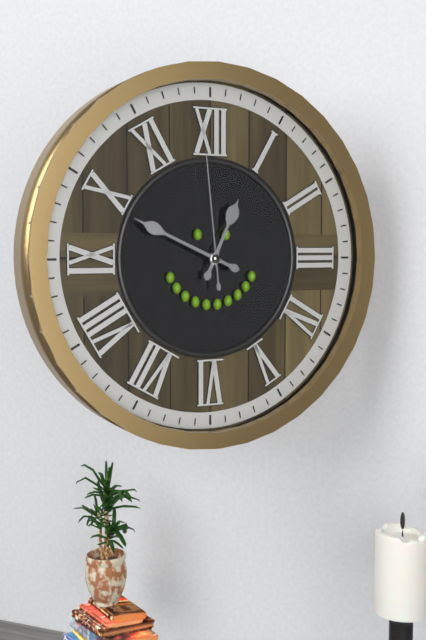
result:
12,49,59
